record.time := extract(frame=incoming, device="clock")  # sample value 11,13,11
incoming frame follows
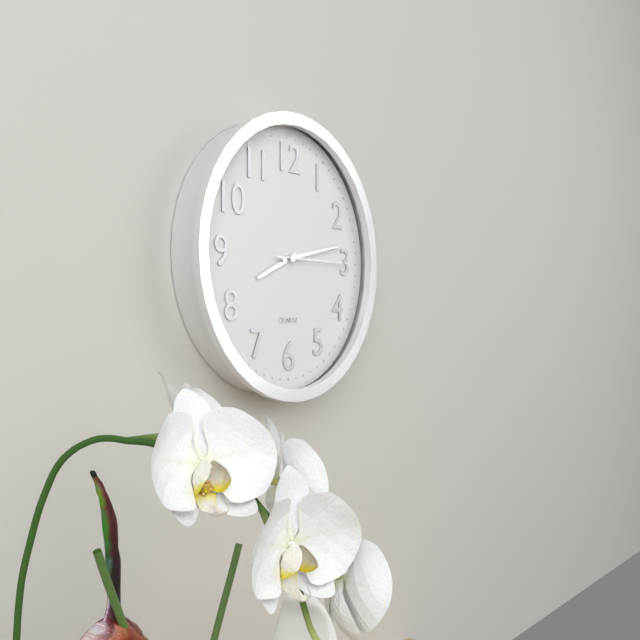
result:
8,13,15
